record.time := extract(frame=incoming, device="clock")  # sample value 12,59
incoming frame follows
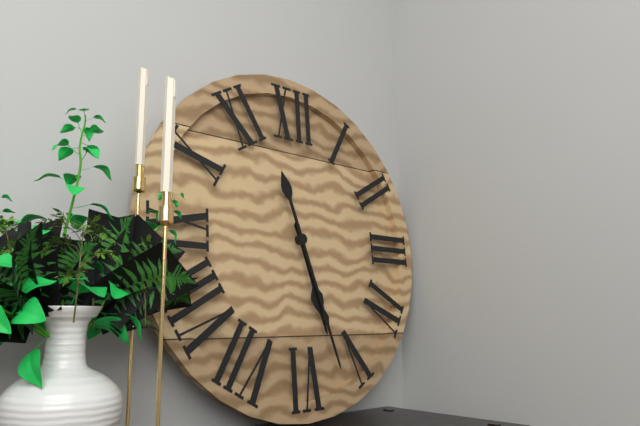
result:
5,27
